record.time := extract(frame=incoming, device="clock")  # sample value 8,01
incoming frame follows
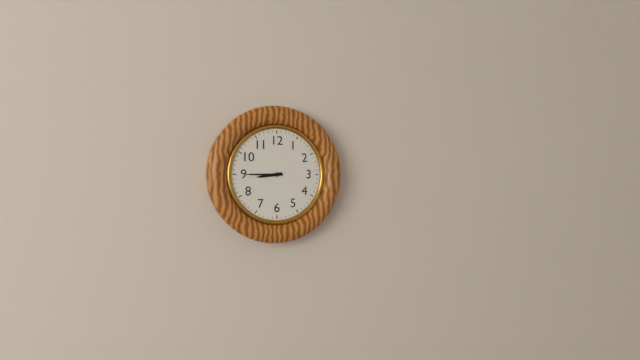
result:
8,45
